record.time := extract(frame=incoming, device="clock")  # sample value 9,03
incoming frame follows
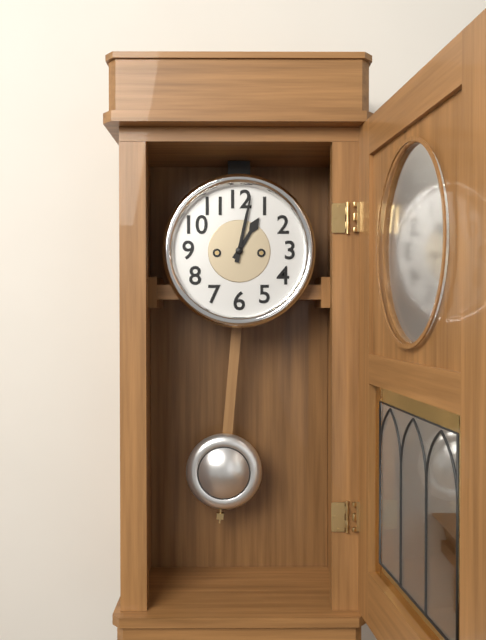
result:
1,02
